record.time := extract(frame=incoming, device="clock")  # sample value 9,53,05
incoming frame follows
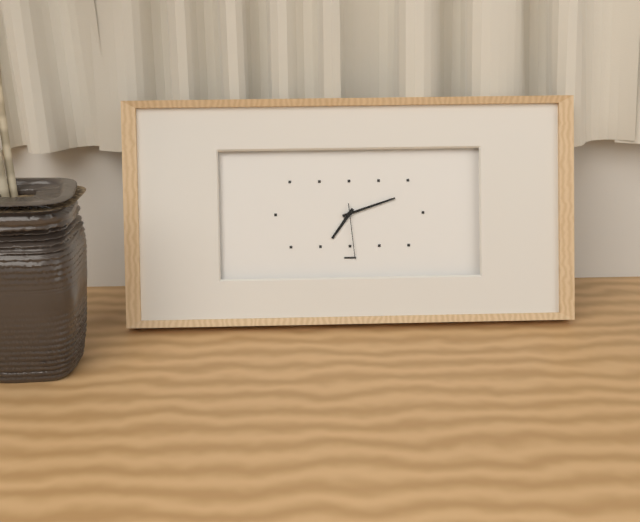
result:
7,12,29
